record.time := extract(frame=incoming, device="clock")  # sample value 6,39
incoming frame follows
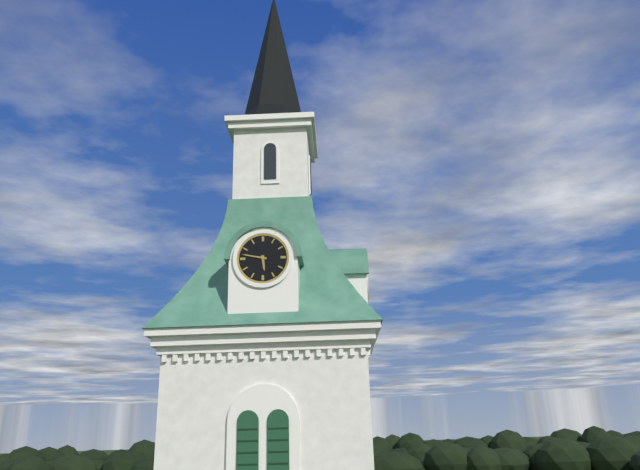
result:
5,47
